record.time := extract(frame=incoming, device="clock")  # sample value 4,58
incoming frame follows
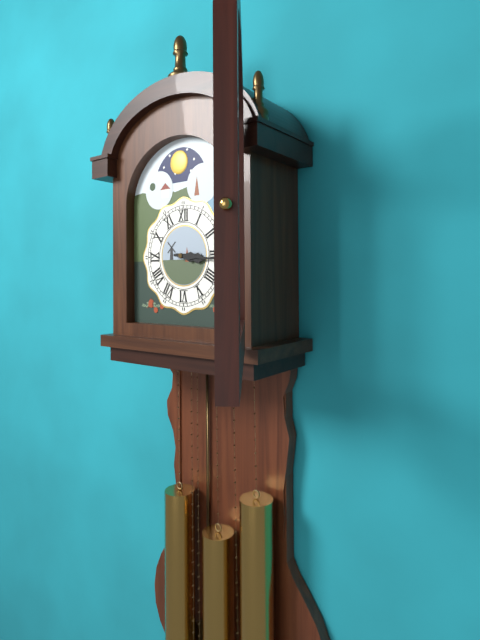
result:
3,16
